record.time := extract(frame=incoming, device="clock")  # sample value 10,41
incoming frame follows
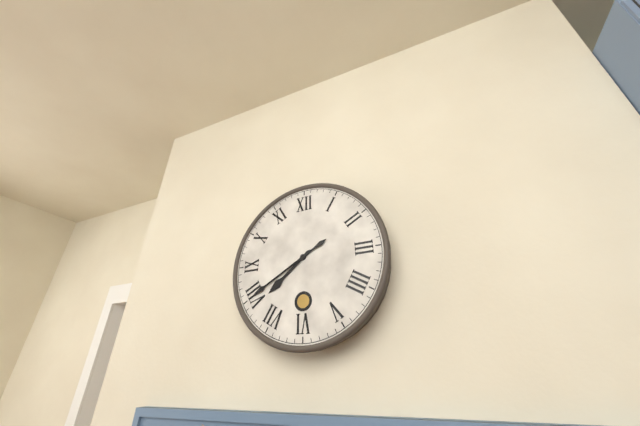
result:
7,40
